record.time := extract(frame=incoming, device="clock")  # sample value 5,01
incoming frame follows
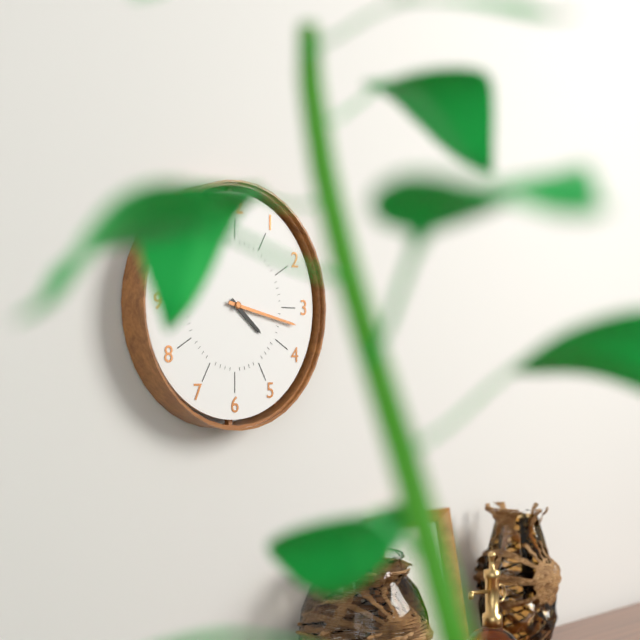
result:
4,17
